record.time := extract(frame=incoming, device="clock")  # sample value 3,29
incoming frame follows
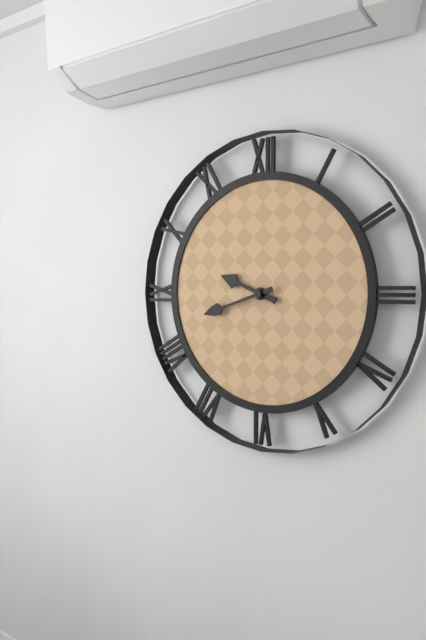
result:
9,42
